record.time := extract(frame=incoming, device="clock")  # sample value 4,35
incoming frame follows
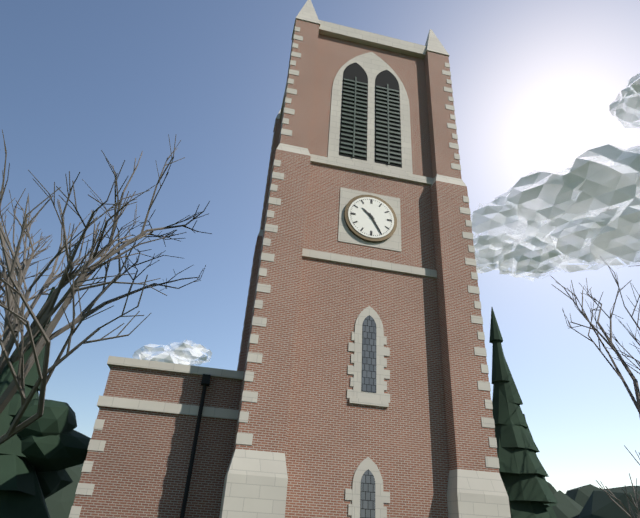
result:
10,25
